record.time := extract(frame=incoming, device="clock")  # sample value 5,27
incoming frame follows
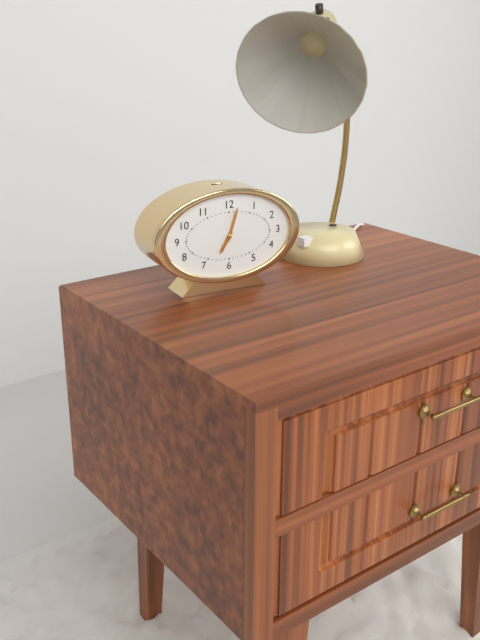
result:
7,03
